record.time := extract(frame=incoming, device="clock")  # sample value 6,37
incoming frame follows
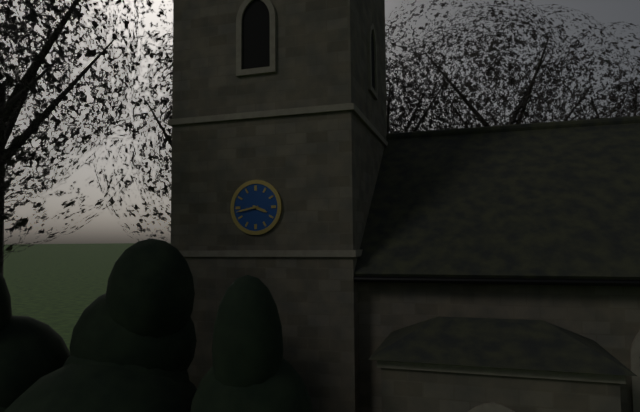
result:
3,43
